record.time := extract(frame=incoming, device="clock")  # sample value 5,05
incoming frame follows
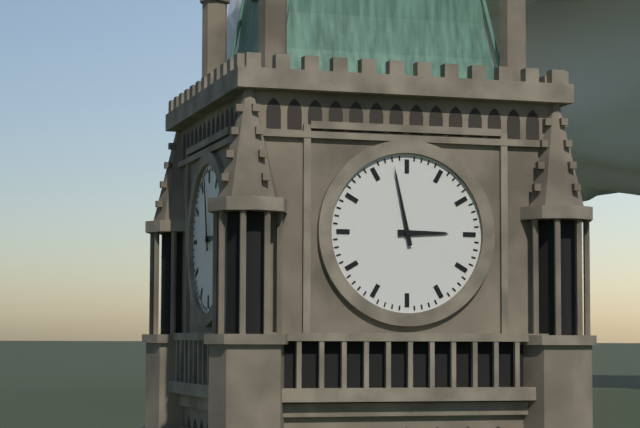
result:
2,58
